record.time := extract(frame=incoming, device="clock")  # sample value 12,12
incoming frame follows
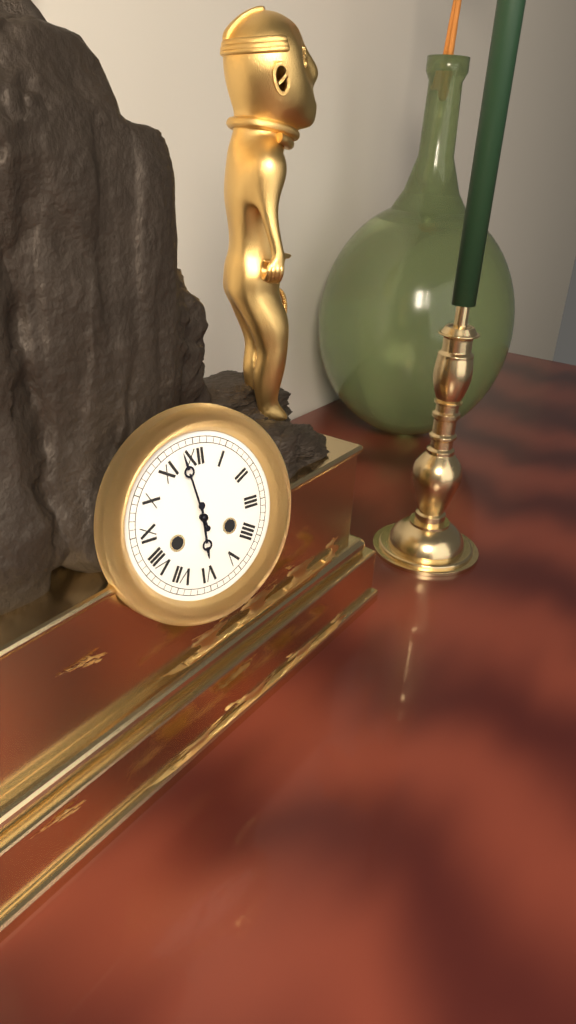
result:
5,58
